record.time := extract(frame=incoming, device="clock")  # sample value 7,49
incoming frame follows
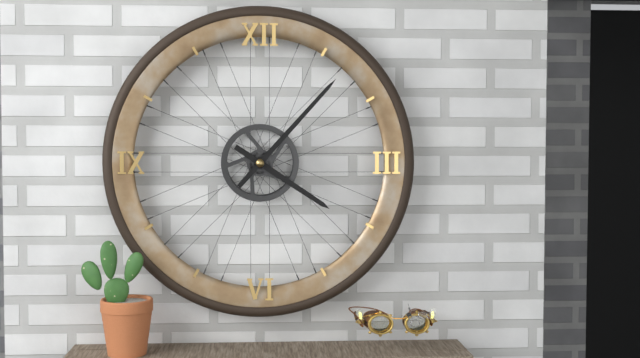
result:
4,07
